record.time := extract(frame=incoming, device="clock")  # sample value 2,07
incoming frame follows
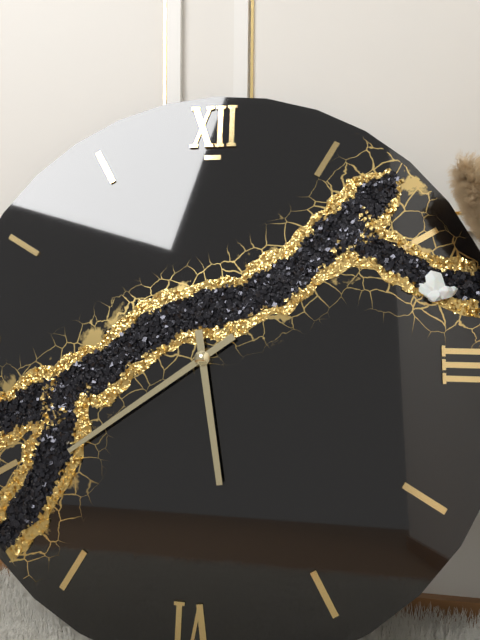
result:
5,39
